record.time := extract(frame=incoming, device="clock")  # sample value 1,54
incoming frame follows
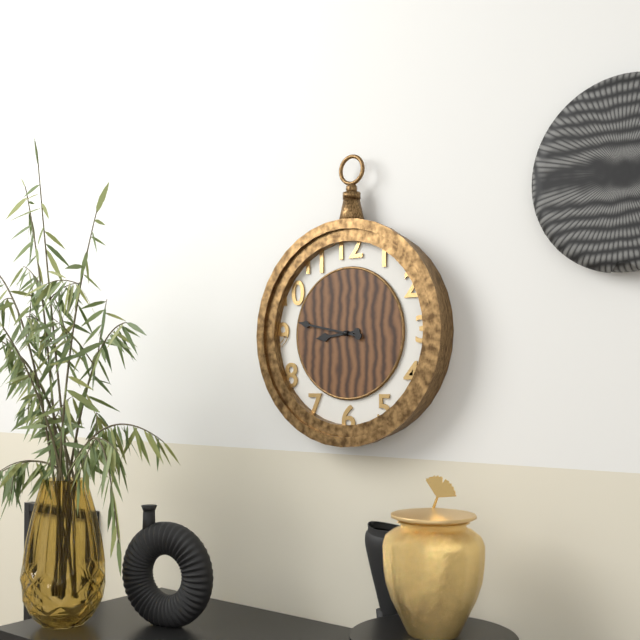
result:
8,47
